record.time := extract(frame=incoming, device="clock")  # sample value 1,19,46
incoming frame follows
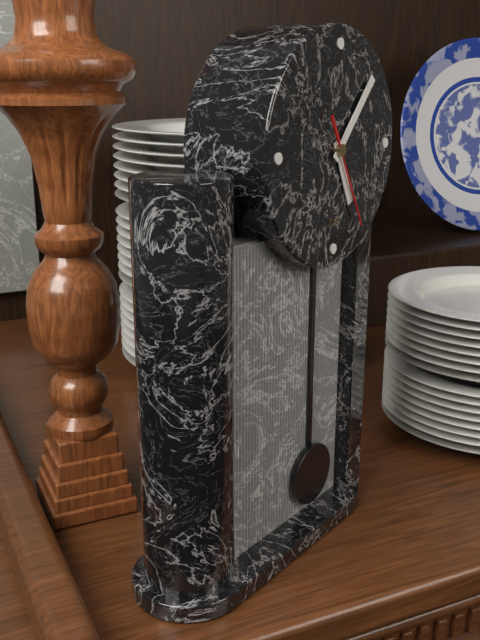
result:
5,07,25
